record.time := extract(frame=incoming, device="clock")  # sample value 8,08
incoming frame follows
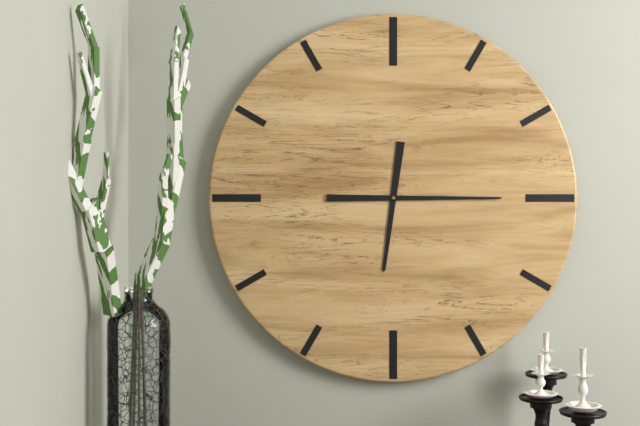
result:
6,15
